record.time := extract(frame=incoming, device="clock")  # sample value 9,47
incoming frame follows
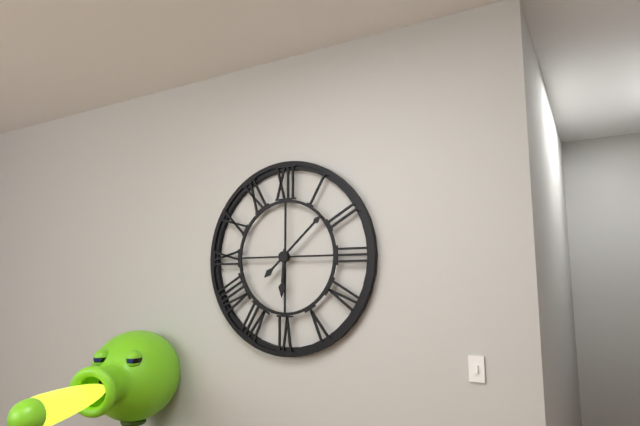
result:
6,08
